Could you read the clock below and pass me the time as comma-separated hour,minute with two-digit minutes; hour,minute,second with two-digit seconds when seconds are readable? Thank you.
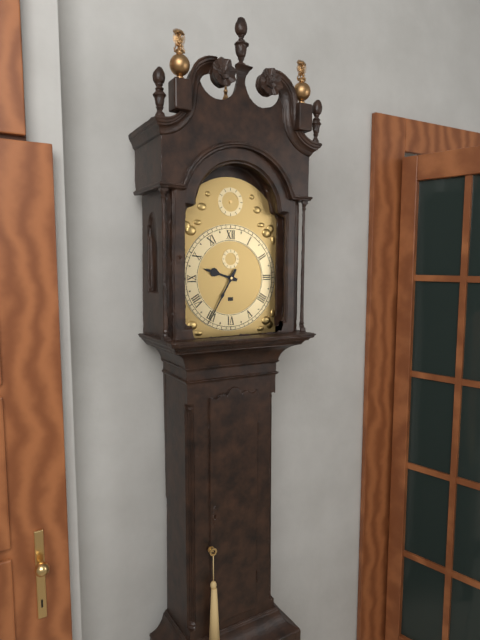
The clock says 9,35
